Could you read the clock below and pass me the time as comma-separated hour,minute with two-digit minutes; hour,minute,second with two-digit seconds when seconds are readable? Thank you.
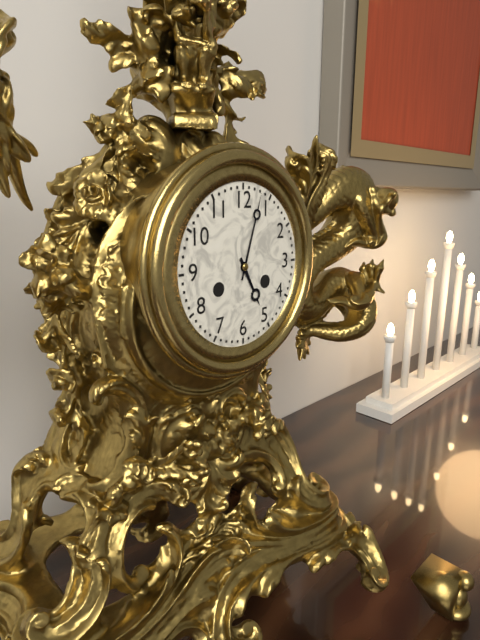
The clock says 5,03
